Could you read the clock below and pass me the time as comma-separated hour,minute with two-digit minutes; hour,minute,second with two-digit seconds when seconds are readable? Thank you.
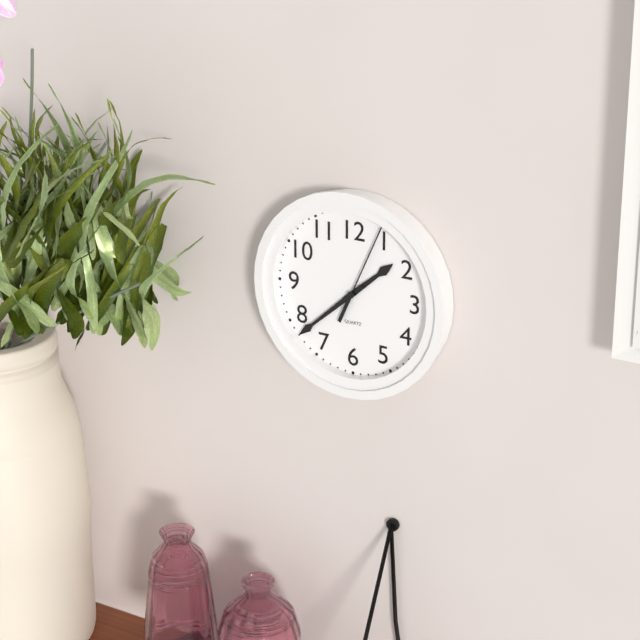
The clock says 1,38,04
